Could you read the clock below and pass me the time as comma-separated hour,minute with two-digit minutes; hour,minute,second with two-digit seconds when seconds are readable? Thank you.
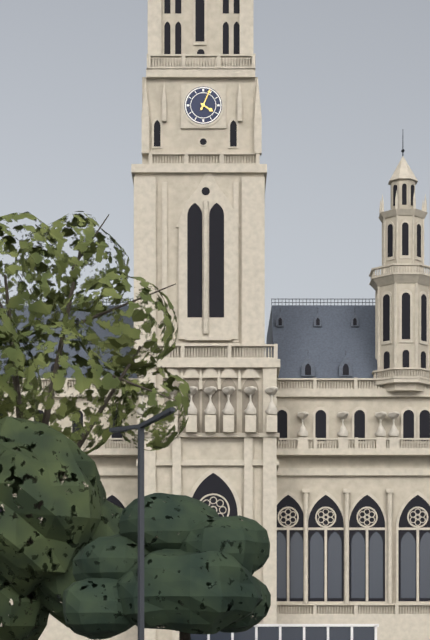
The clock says 4,04
